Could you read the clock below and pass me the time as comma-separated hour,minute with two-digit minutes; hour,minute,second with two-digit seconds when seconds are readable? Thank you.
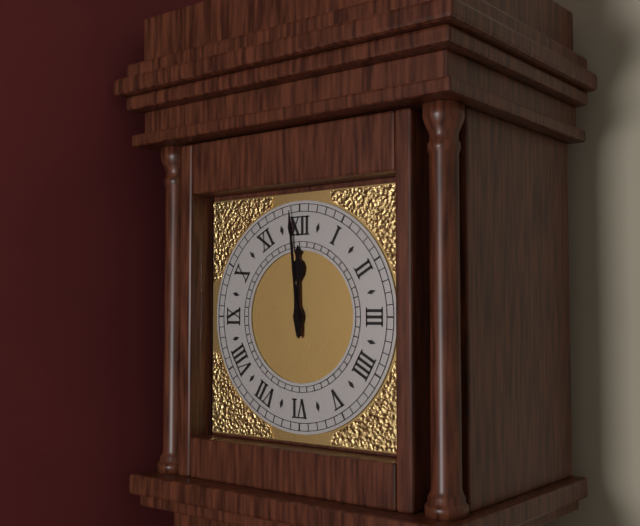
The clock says 11,59
